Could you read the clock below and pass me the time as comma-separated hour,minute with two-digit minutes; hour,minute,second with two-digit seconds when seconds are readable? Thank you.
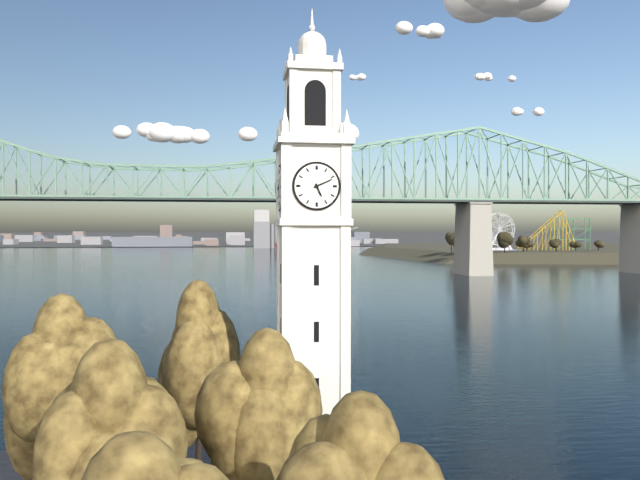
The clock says 5,11
